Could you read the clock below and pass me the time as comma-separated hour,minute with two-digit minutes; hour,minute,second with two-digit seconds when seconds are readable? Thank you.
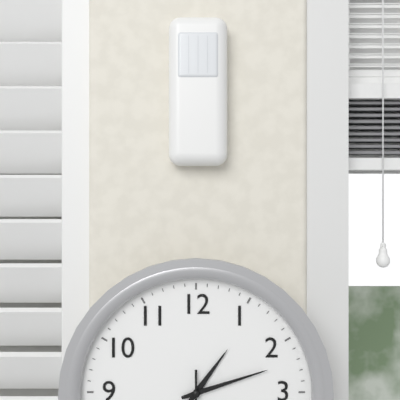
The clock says 1,12
